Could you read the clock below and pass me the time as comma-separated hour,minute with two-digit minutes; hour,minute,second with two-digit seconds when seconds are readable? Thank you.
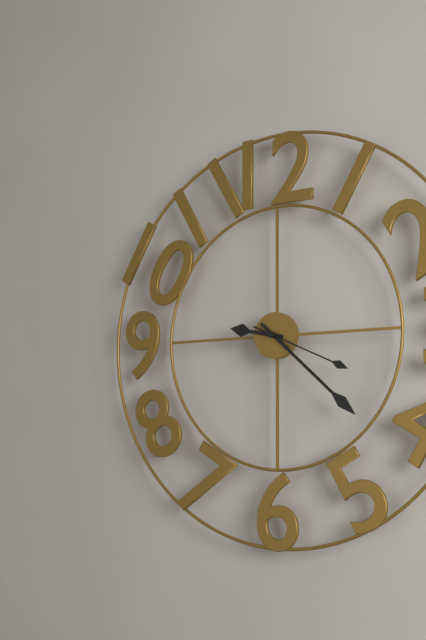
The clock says 9,22,19
